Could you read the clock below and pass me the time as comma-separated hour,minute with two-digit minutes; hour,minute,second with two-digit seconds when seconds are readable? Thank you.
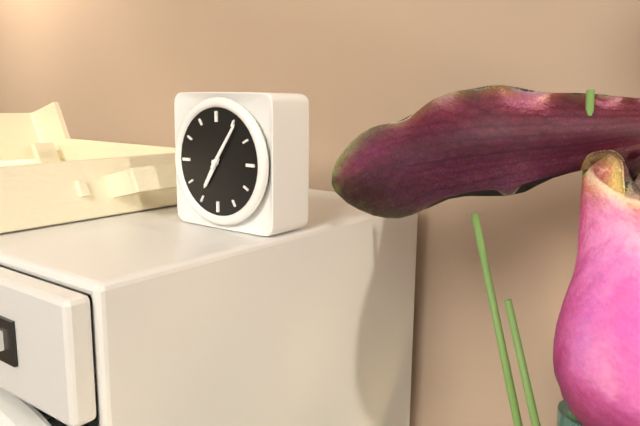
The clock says 7,06
